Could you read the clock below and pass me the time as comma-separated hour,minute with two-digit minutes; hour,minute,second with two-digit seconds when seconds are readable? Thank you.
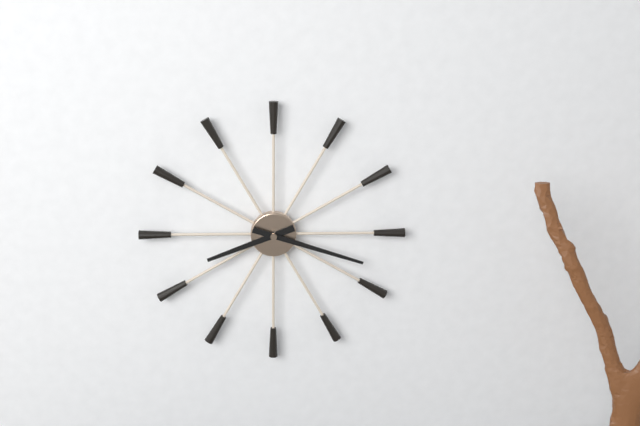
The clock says 8,18
